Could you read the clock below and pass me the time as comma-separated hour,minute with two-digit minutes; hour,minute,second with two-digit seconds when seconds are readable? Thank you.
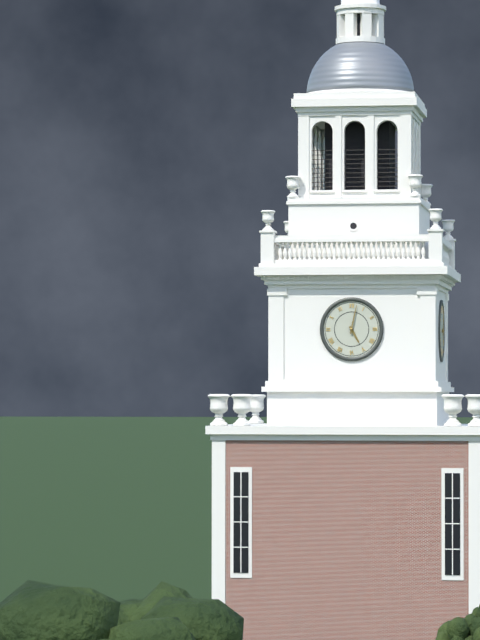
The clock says 5,02
